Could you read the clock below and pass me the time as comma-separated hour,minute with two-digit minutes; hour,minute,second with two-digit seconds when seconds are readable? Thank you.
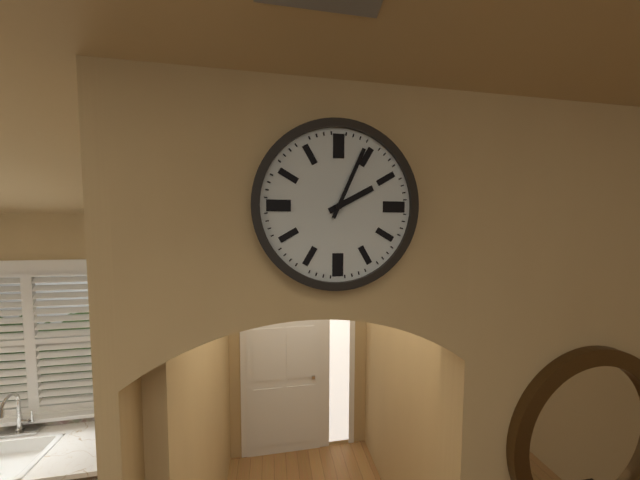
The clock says 2,04
